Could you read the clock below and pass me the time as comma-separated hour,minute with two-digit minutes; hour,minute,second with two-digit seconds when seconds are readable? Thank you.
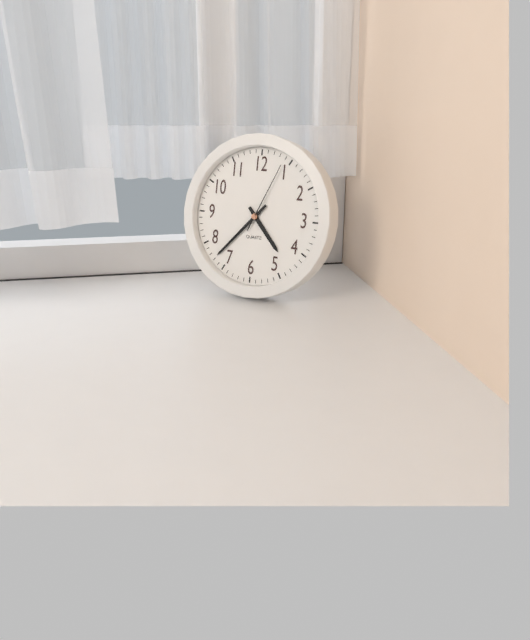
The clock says 4,37,04
